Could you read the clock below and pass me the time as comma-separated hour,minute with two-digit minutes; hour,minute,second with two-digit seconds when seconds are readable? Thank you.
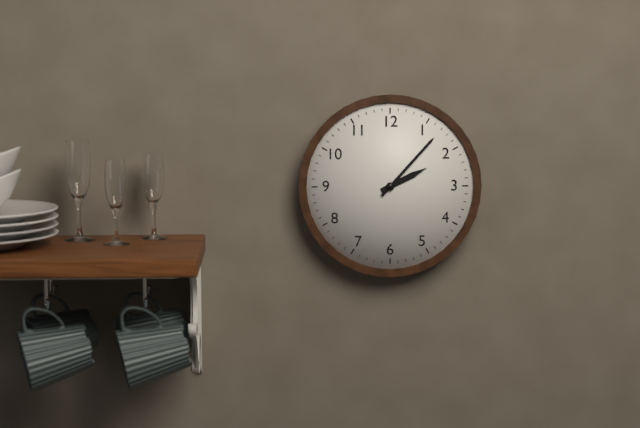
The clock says 2,07
